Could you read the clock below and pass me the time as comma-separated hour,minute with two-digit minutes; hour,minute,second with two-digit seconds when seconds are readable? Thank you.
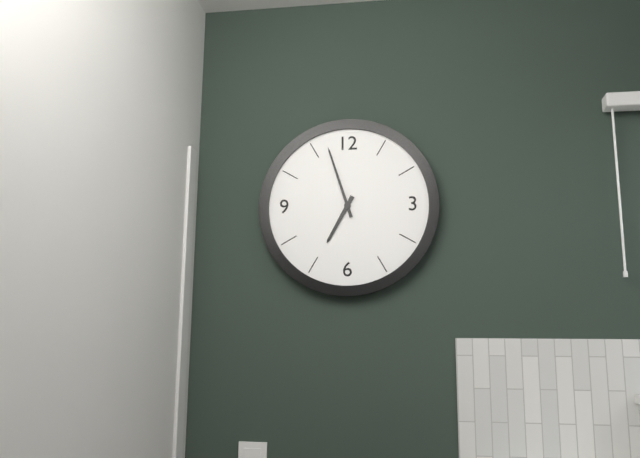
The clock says 6,57
